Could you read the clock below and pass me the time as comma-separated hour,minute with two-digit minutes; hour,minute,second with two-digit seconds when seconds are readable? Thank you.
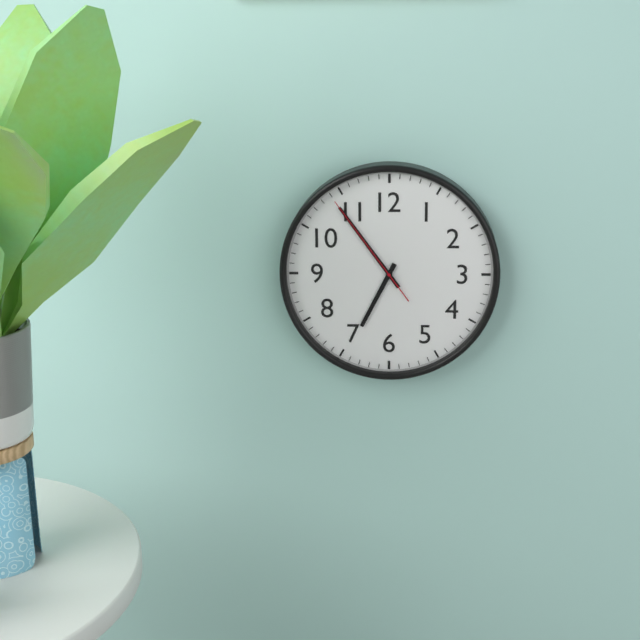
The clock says 6,54,54
